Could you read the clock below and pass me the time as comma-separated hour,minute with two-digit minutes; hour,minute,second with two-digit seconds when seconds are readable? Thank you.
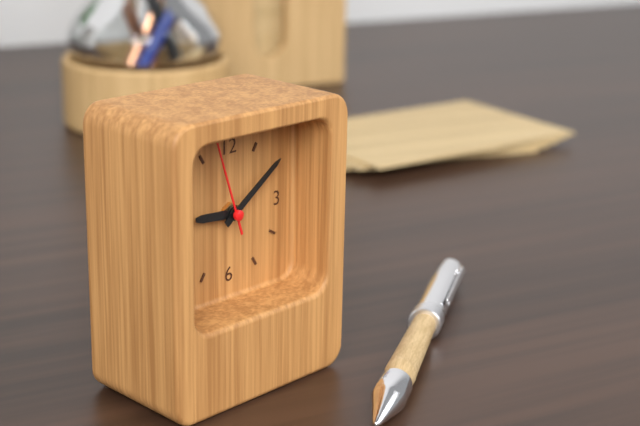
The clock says 9,09,57
